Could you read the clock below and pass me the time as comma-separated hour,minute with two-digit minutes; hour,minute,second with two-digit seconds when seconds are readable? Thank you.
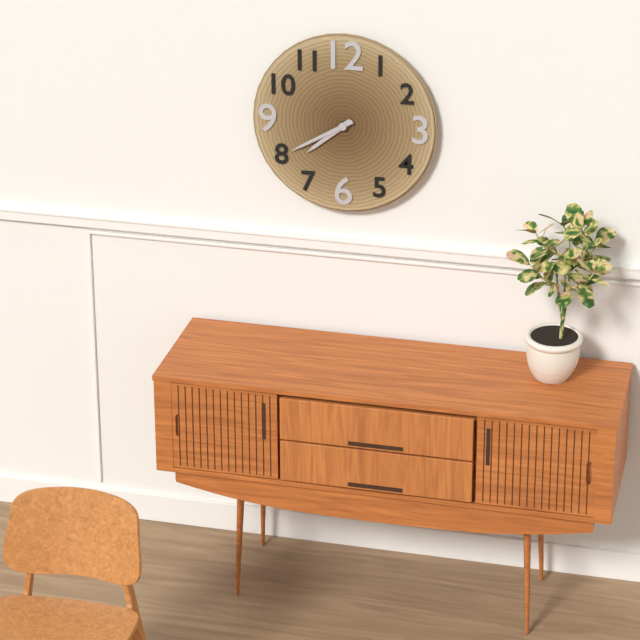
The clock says 7,40
